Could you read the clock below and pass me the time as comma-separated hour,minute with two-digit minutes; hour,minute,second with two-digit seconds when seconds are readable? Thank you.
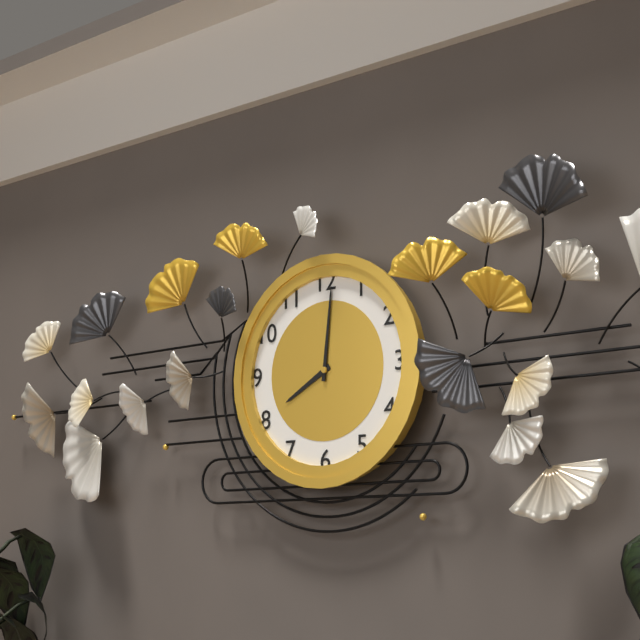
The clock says 8,01
